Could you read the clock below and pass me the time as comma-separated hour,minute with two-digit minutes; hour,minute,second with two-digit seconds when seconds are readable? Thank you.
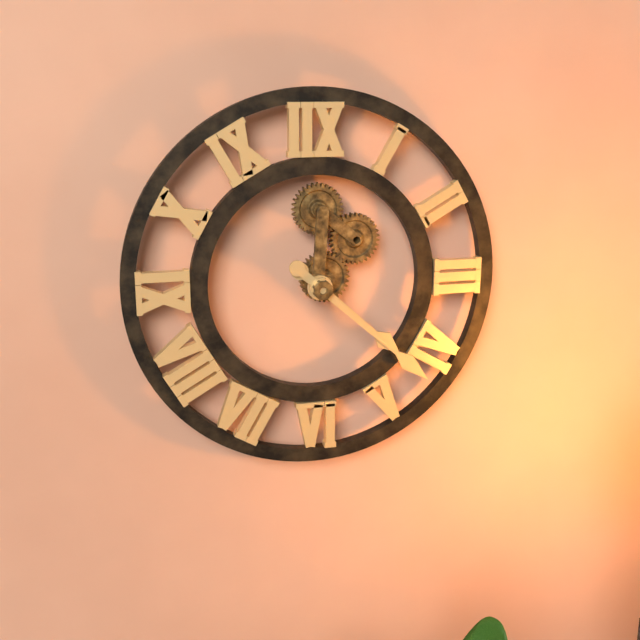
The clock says 4,22
